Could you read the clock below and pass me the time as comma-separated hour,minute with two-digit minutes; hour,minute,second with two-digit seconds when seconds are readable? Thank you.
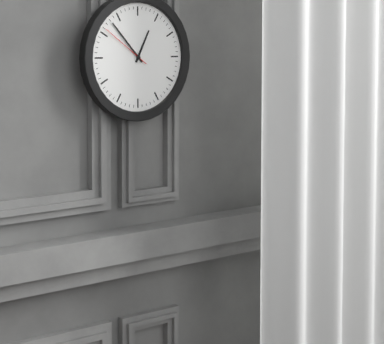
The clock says 12,53,51
